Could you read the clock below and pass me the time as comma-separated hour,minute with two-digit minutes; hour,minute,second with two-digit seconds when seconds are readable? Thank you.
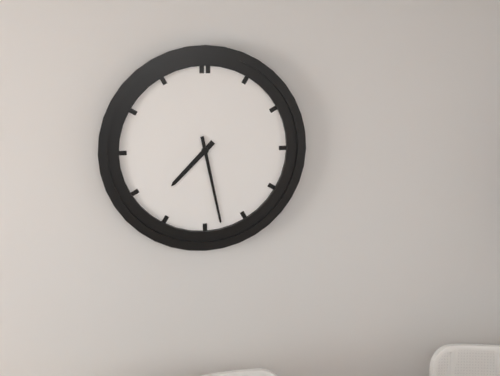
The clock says 7,28
